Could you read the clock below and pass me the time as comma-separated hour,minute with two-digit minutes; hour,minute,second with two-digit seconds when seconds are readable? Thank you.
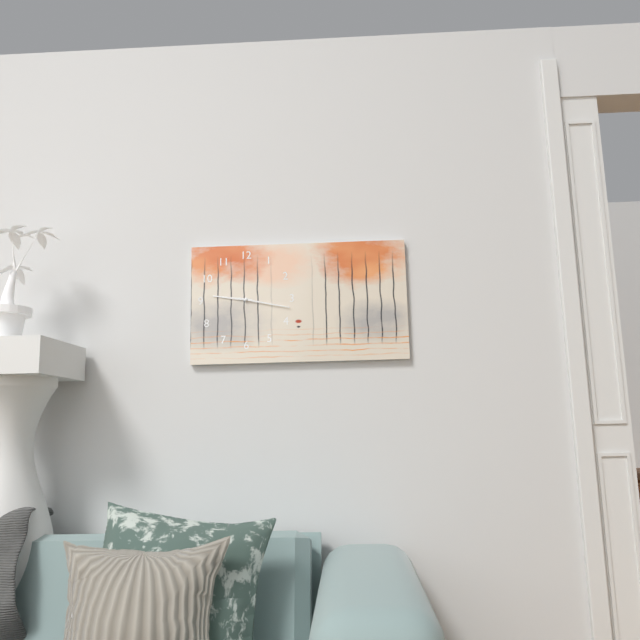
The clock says 9,17
